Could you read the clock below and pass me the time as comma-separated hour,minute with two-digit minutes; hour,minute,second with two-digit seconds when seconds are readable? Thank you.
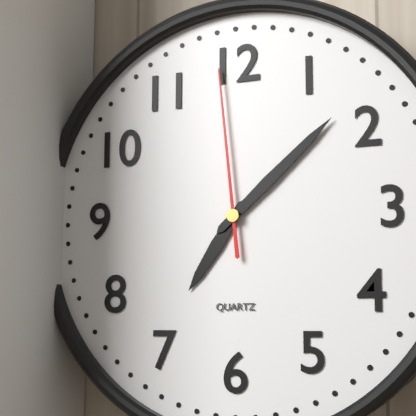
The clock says 7,08,59
